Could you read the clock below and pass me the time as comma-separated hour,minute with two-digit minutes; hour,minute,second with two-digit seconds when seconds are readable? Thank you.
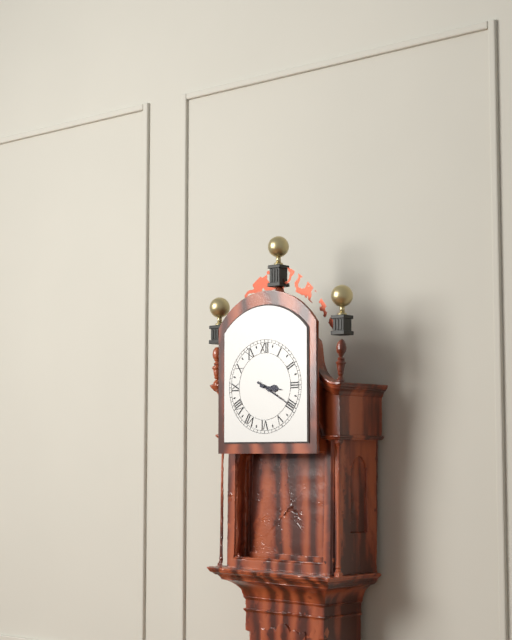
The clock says 3,20
